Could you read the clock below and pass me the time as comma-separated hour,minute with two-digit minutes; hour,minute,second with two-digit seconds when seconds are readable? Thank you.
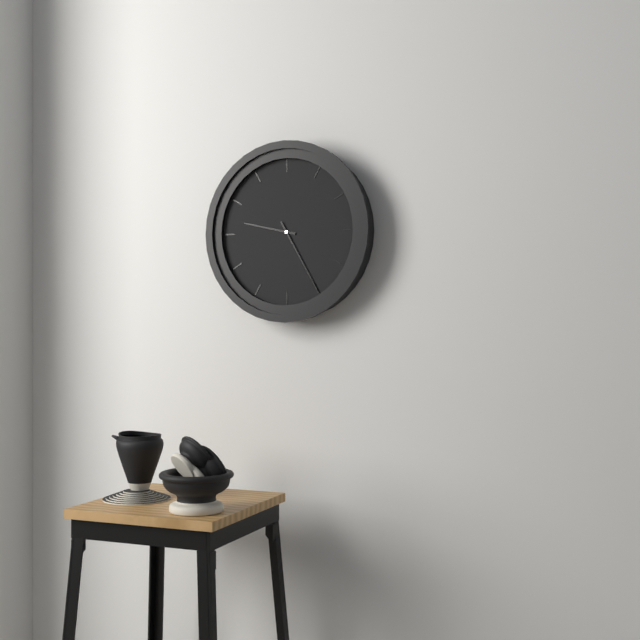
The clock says 9,25
